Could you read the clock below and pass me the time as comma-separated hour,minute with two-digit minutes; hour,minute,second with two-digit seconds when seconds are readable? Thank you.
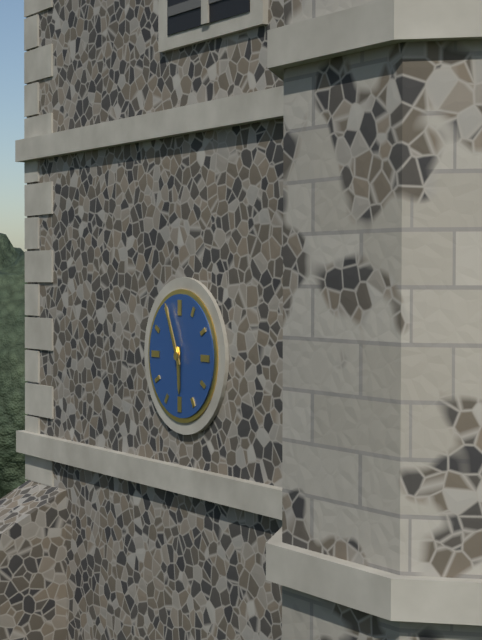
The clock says 5,56
